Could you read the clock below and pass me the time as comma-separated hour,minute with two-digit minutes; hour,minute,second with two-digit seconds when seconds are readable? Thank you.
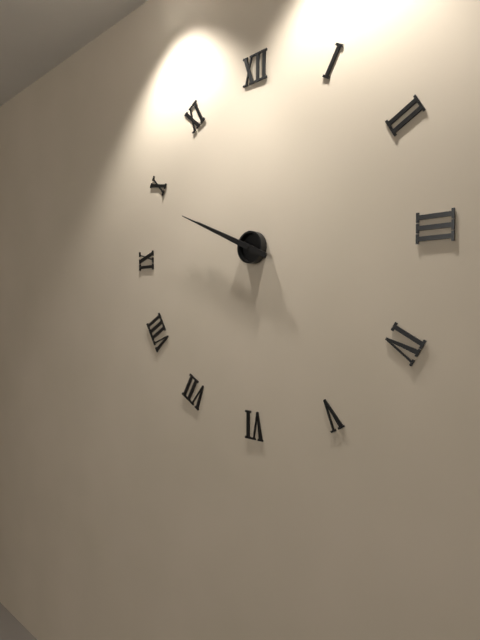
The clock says 9,49
